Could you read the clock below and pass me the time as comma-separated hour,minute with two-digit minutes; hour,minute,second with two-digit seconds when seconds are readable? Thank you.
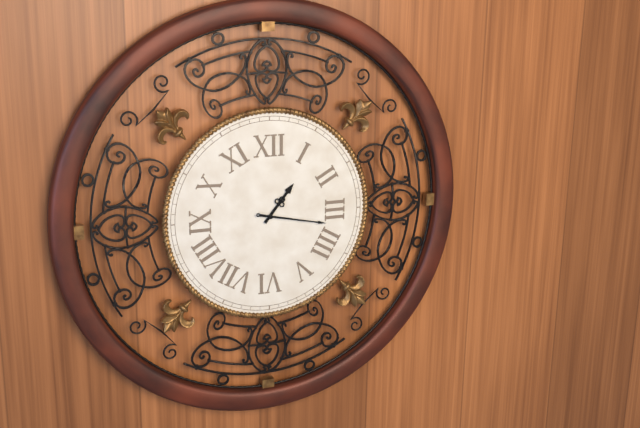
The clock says 1,17
